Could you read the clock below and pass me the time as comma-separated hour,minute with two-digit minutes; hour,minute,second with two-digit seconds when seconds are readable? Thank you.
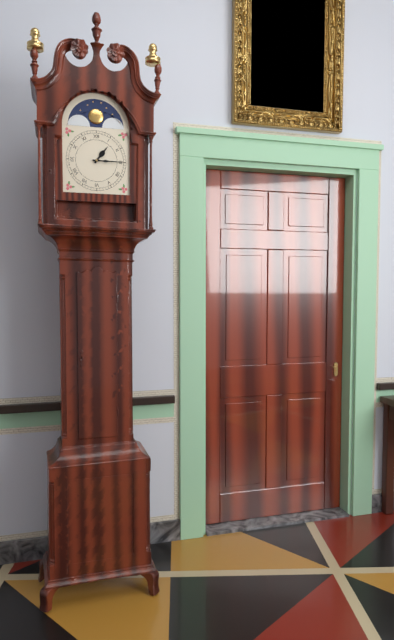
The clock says 1,15
